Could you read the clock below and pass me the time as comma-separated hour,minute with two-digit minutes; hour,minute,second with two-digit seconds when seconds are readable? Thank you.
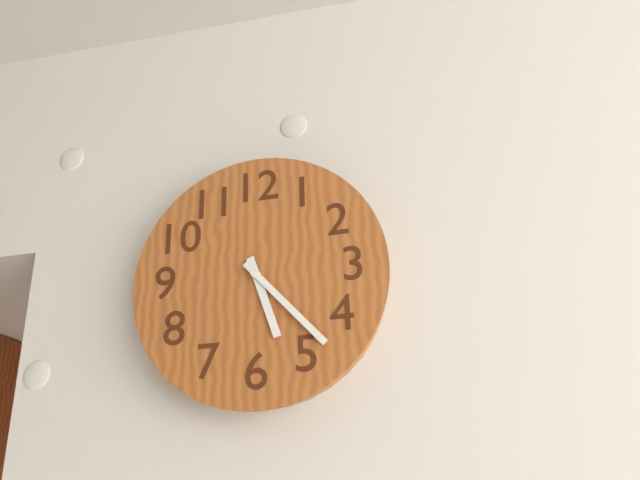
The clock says 5,23
